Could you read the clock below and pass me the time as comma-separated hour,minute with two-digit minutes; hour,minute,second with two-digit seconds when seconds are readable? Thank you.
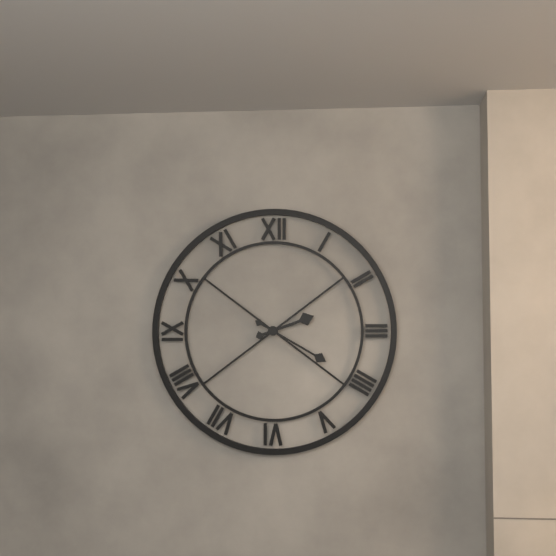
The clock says 2,20
